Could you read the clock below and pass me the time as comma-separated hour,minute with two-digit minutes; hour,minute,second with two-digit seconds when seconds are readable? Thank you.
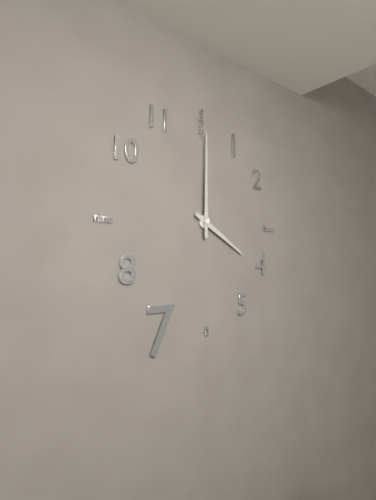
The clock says 4,00
